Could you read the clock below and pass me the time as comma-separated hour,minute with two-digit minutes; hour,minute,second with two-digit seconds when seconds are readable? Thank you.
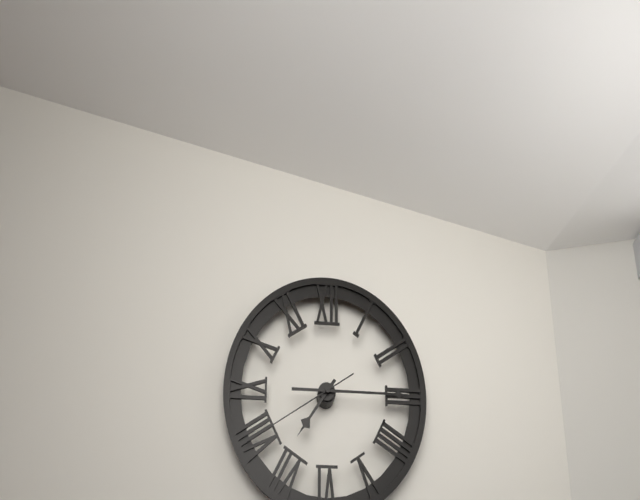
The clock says 7,15,40
